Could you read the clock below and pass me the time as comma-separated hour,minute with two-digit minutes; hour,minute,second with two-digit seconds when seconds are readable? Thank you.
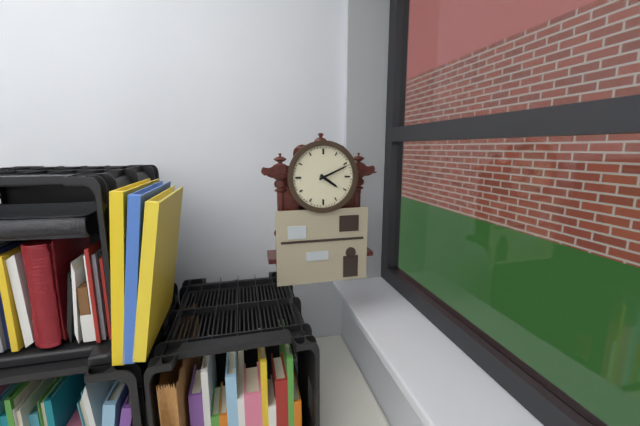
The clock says 4,11
